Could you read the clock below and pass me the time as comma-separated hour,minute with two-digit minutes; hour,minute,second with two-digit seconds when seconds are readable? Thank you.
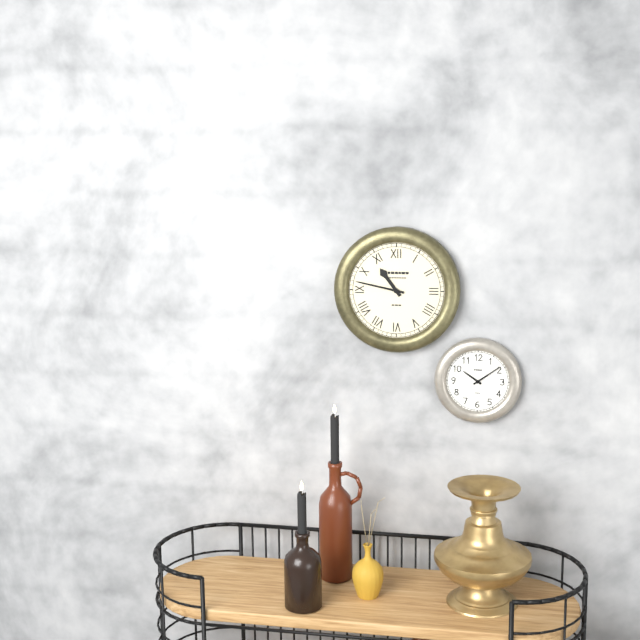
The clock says 10,47
